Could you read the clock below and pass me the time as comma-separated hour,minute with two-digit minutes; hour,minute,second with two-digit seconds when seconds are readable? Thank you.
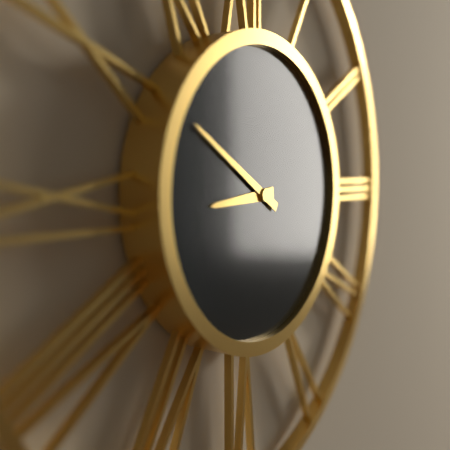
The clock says 8,50
